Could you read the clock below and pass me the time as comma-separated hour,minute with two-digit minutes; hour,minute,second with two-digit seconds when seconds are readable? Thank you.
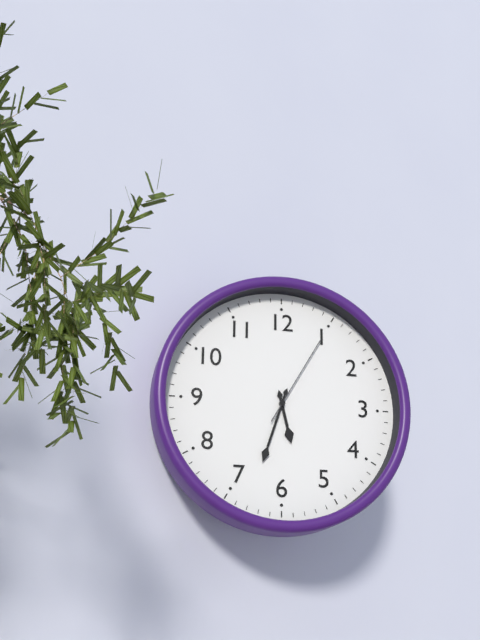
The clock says 5,33,05
